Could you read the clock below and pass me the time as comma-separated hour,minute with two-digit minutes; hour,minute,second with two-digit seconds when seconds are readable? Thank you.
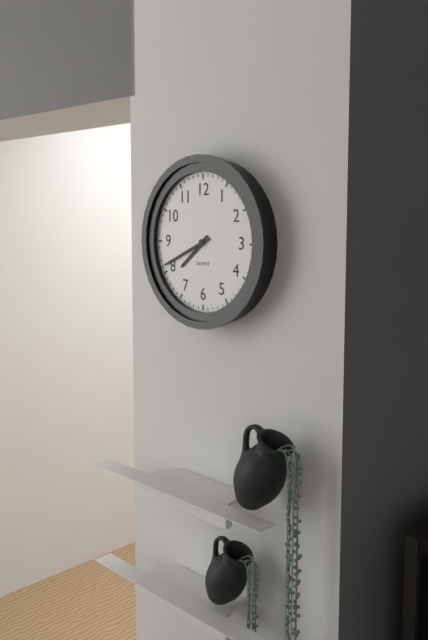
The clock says 7,41
